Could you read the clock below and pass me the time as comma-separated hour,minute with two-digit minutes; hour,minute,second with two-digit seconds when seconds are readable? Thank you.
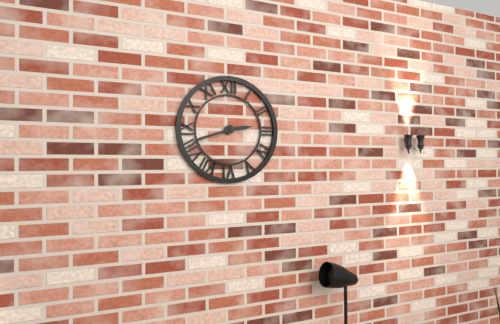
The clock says 2,42
